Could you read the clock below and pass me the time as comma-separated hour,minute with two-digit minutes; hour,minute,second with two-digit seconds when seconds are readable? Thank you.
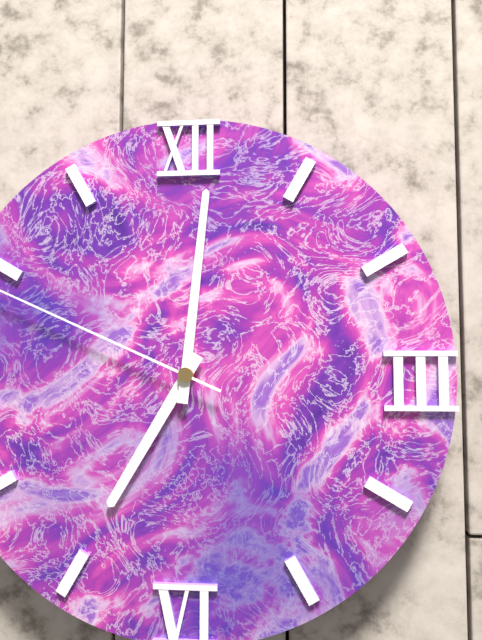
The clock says 7,01
